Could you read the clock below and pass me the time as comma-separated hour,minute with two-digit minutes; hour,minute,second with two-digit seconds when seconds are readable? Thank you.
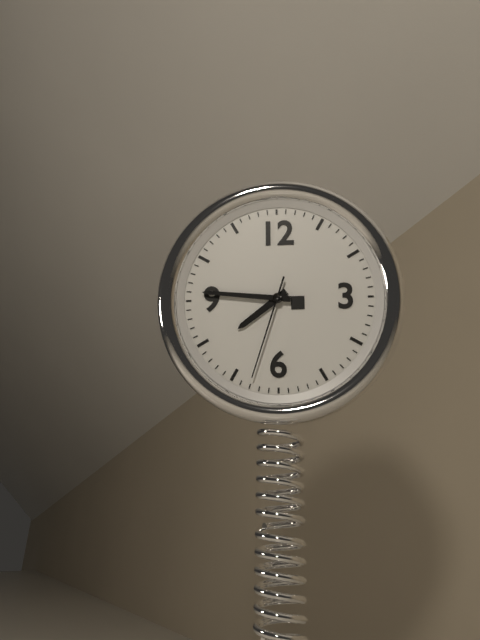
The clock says 7,46,33
